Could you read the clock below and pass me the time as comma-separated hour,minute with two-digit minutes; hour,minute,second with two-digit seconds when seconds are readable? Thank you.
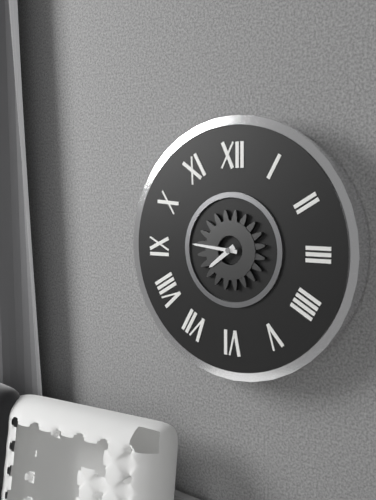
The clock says 7,46
